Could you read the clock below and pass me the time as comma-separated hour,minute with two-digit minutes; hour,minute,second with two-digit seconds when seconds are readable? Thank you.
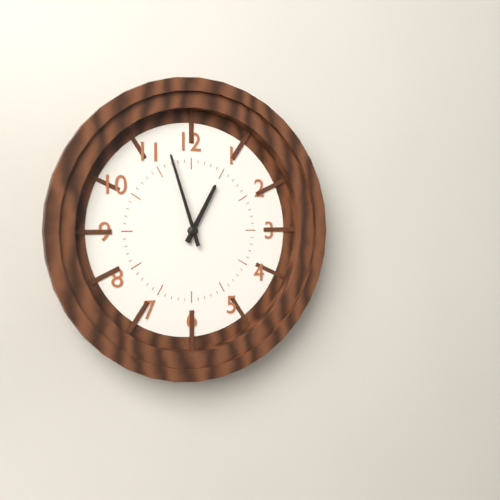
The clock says 12,57
